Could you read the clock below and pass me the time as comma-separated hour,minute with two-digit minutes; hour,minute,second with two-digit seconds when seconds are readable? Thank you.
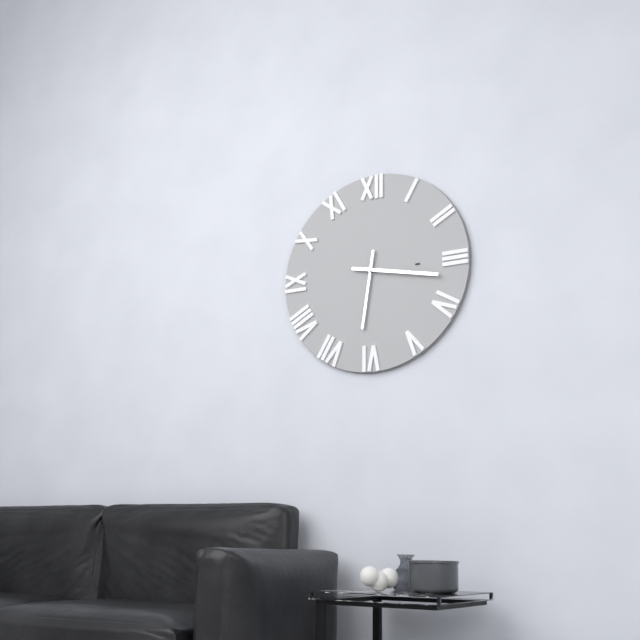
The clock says 6,17
